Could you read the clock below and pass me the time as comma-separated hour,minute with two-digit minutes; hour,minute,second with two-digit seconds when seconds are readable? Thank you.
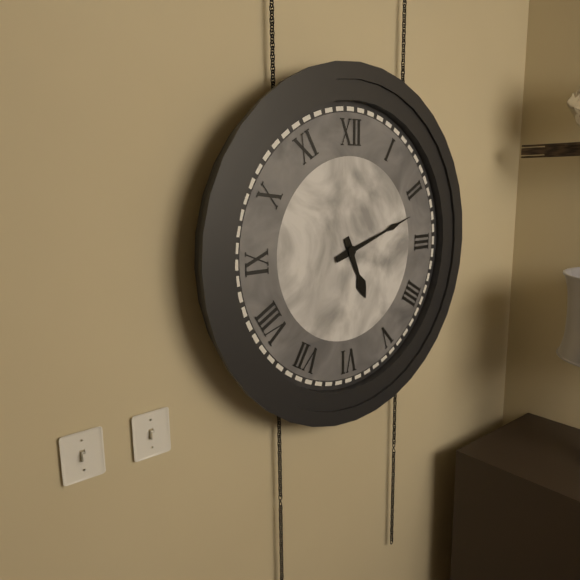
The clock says 5,12
